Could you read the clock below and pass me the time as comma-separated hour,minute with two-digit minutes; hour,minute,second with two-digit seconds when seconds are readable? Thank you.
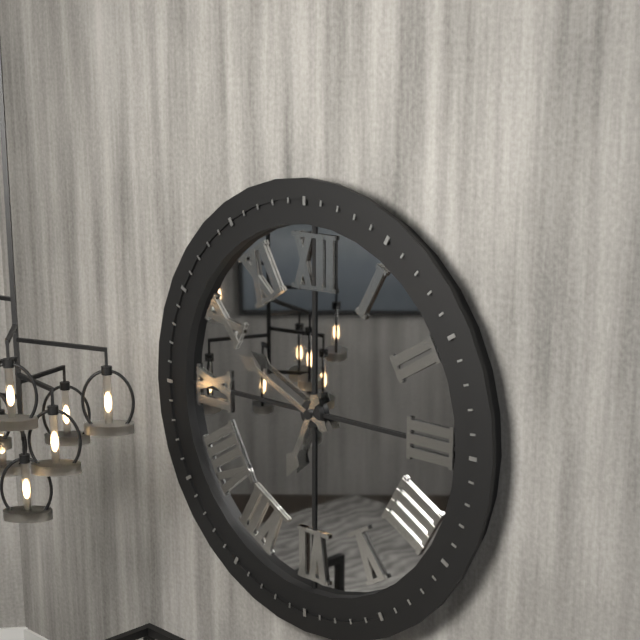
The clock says 6,49
